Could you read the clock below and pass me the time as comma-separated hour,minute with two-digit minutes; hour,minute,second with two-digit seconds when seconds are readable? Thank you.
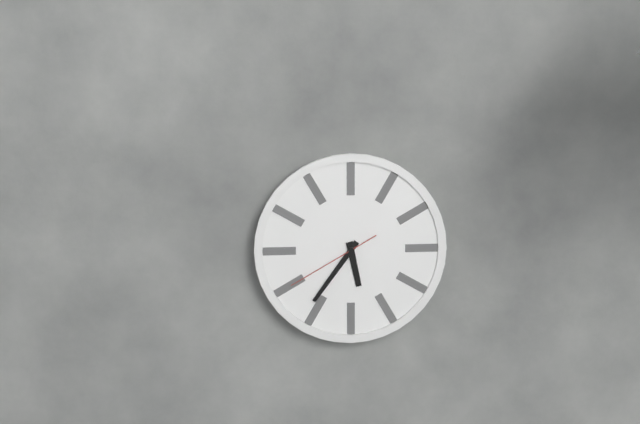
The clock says 5,36,40
